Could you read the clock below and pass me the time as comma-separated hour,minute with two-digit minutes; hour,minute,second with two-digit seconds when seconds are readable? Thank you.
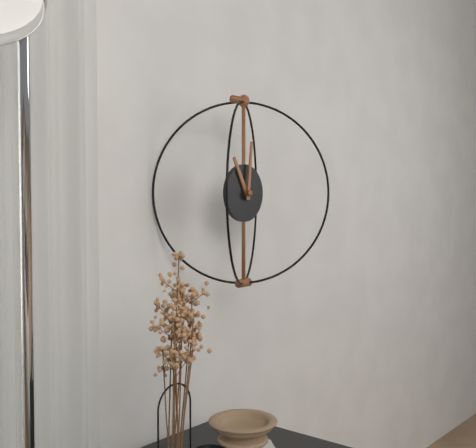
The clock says 11,01
